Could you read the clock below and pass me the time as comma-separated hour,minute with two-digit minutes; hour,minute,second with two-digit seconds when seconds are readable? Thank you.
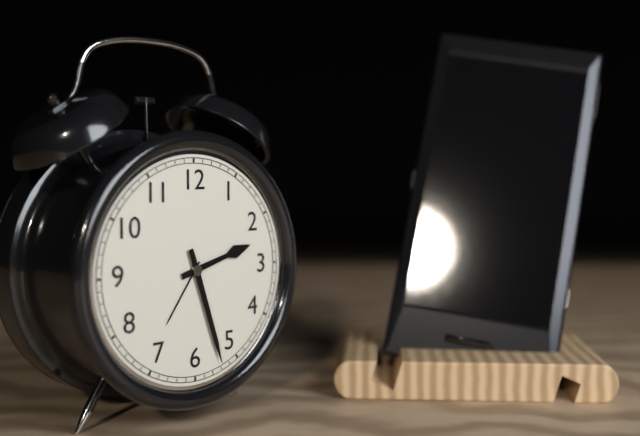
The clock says 2,27
